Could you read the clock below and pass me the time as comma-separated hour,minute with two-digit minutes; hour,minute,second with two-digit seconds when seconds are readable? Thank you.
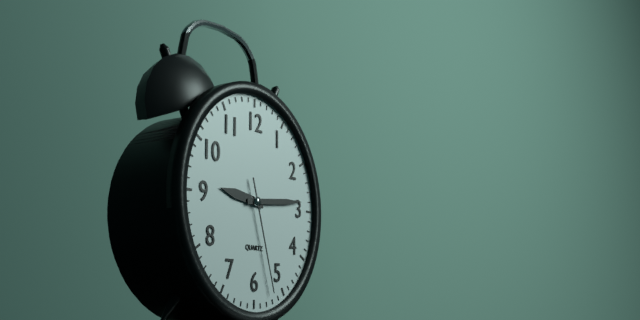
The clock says 9,14,27
